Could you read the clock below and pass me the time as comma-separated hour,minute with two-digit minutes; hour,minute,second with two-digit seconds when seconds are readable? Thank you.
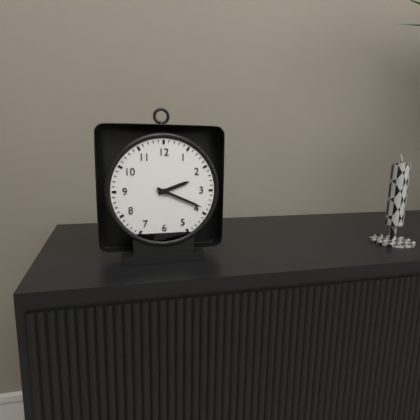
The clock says 2,19
